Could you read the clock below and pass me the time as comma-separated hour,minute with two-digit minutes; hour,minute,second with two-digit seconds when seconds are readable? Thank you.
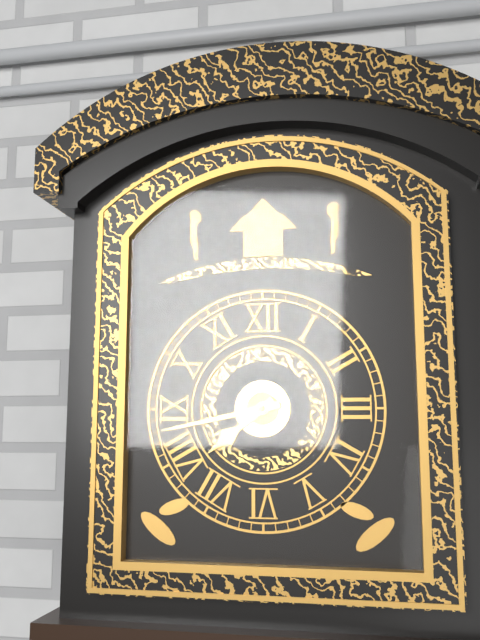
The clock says 7,43
